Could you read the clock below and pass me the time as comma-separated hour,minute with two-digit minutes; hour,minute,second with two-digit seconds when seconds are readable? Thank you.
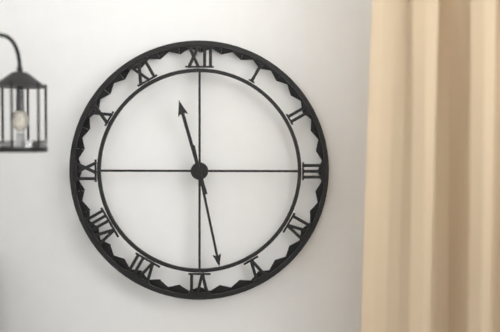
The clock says 11,28
